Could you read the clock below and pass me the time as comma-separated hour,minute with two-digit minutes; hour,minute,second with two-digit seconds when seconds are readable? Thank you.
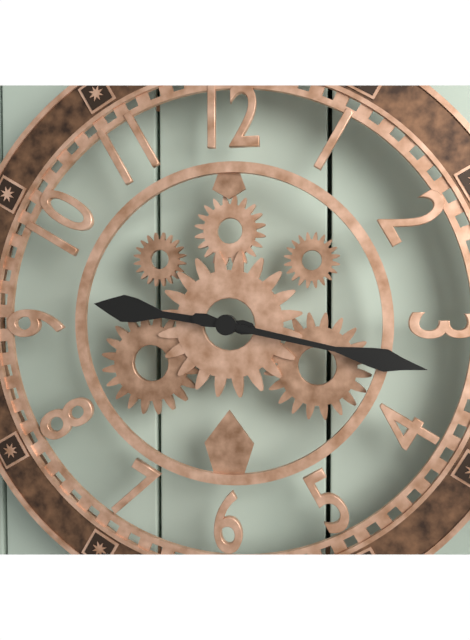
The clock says 9,17
